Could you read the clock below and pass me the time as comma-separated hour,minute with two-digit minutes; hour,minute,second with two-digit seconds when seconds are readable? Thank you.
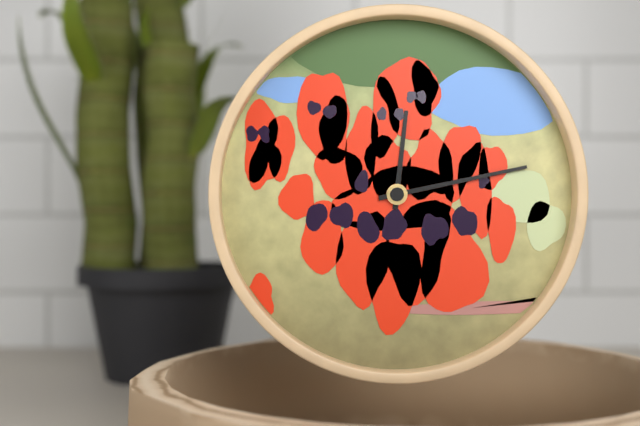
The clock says 12,13
